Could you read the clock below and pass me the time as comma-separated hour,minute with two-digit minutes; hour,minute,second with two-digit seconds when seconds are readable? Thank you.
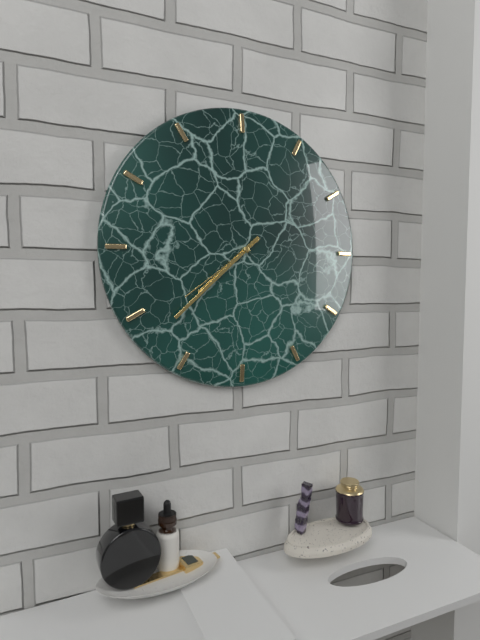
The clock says 7,38,39
